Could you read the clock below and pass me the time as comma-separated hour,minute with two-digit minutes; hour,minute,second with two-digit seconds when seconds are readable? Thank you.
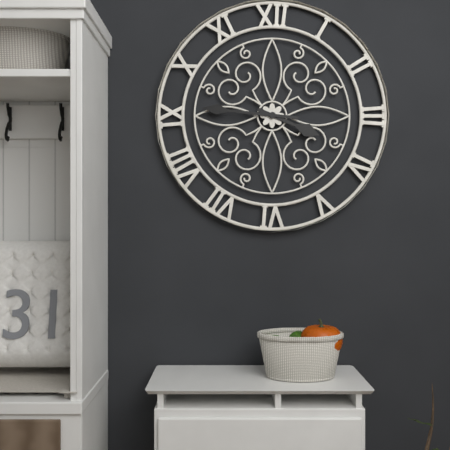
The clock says 3,46
